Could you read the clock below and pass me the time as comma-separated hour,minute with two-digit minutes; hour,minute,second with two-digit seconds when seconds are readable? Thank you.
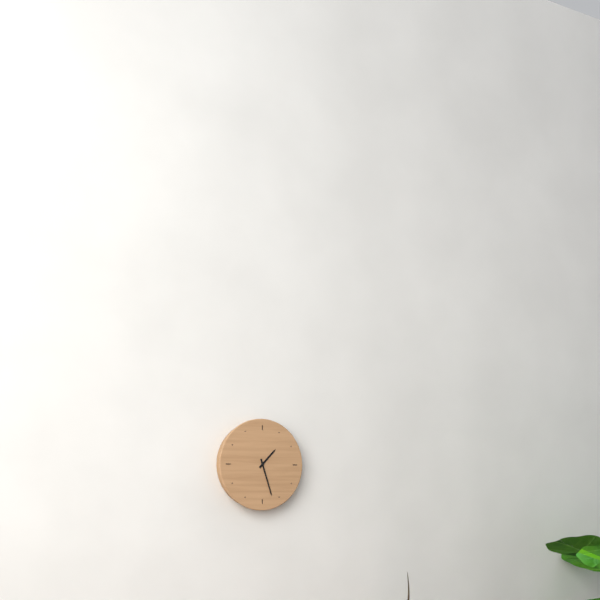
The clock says 1,27
